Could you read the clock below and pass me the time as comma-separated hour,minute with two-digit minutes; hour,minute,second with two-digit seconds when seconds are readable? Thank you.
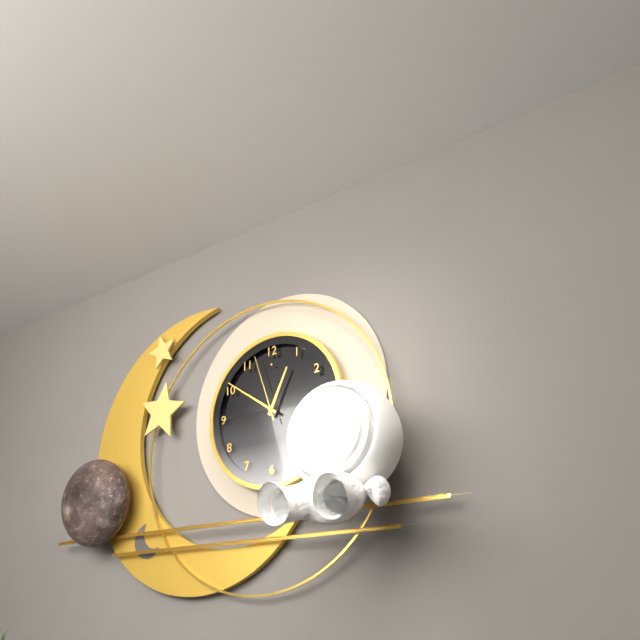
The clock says 12,51,57
